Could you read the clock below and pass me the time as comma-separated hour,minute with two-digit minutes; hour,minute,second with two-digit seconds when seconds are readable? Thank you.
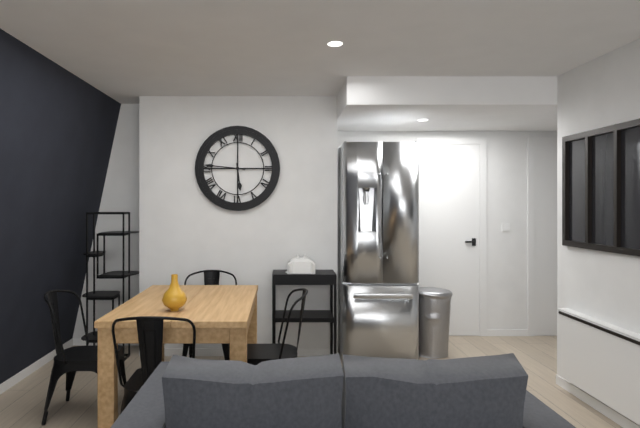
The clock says 5,46
